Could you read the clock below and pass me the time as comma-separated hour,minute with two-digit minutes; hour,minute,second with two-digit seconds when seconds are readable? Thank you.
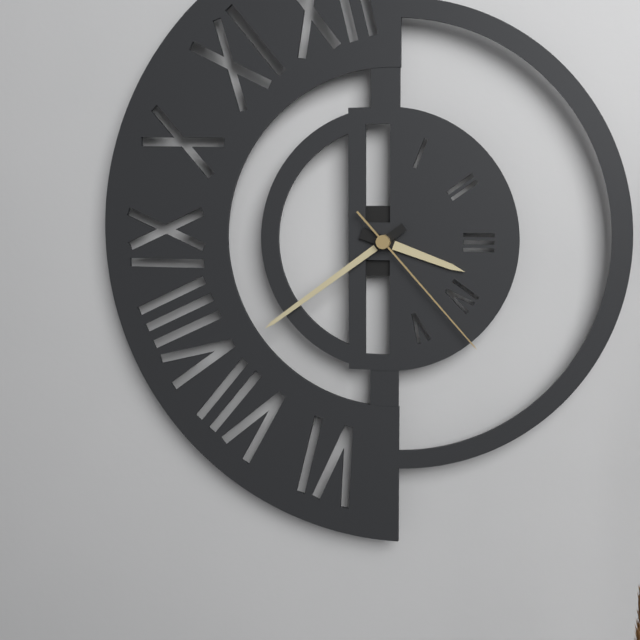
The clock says 3,39,23
